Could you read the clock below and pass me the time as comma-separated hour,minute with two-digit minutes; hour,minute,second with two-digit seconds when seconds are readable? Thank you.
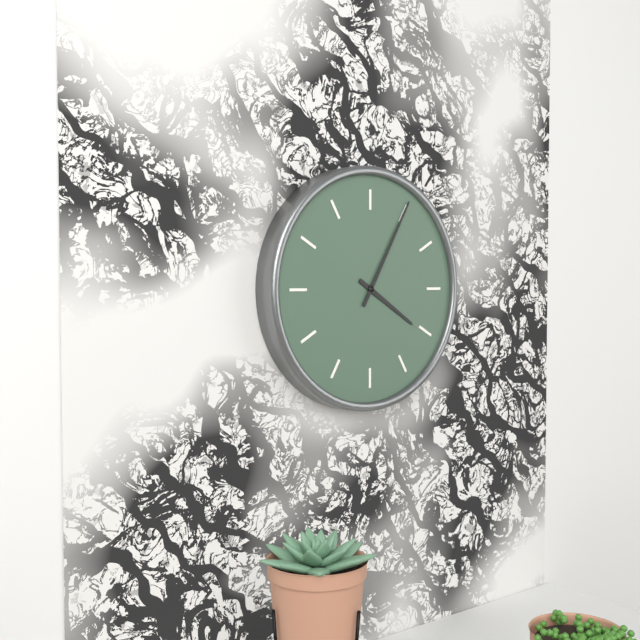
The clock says 4,05
